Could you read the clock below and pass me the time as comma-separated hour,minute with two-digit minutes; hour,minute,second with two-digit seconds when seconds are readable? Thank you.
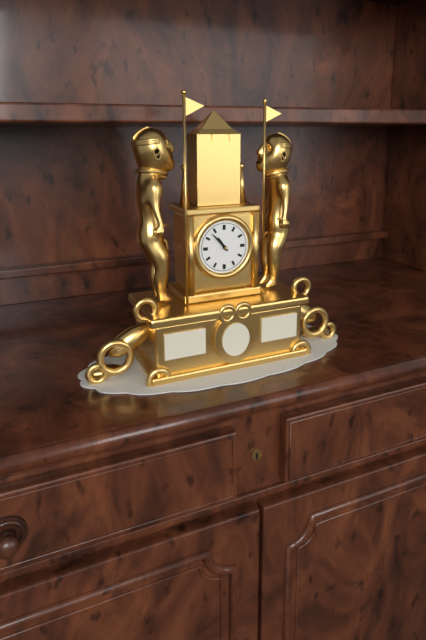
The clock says 10,53
